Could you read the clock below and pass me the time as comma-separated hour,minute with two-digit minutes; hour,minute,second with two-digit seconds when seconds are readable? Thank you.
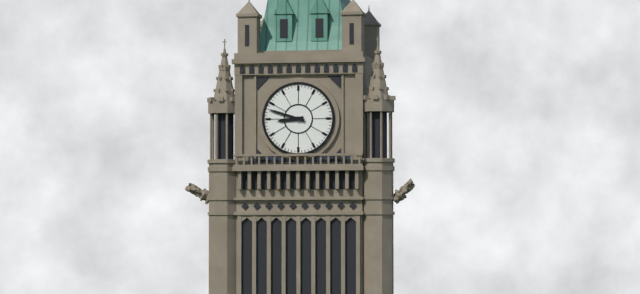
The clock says 8,48
